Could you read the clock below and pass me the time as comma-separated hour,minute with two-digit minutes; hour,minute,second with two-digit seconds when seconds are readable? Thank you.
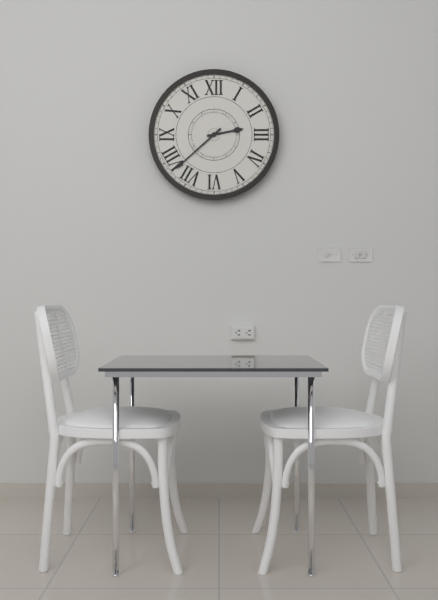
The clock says 2,38
